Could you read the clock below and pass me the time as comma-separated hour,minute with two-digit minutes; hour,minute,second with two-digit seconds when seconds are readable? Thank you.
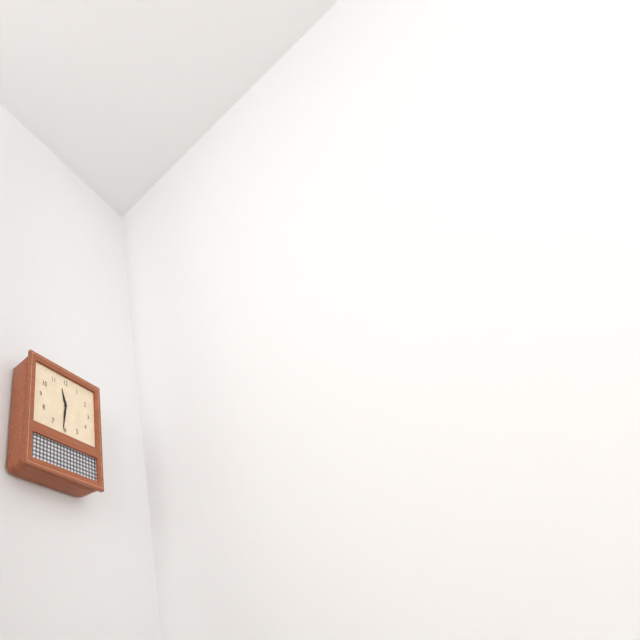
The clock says 11,31
